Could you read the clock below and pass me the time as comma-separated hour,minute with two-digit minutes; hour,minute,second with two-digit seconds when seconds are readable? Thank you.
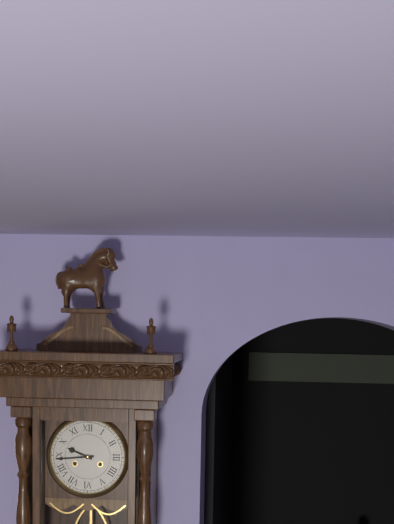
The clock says 9,44
